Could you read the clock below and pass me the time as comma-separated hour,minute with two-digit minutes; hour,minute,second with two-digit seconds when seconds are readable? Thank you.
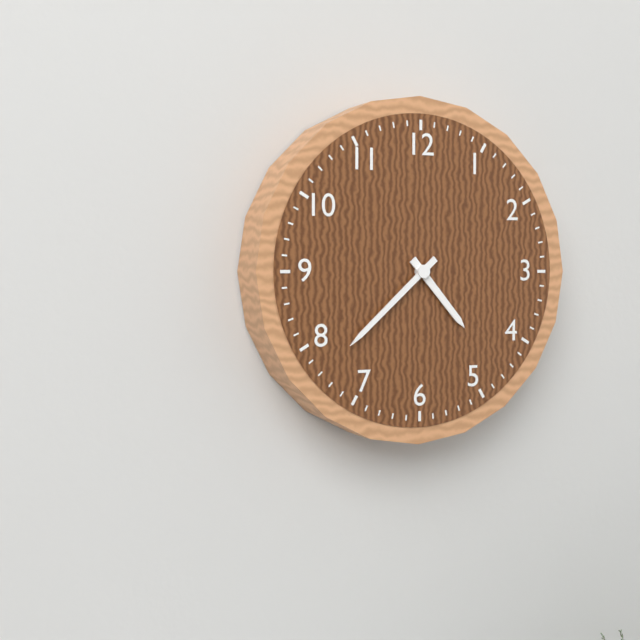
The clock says 4,38
